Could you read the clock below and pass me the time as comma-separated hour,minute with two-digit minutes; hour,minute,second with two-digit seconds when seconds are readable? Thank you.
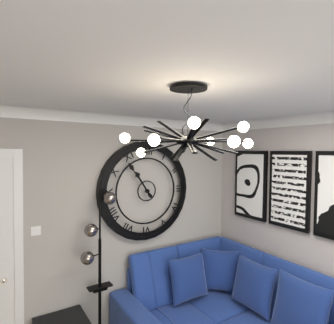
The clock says 10,54
